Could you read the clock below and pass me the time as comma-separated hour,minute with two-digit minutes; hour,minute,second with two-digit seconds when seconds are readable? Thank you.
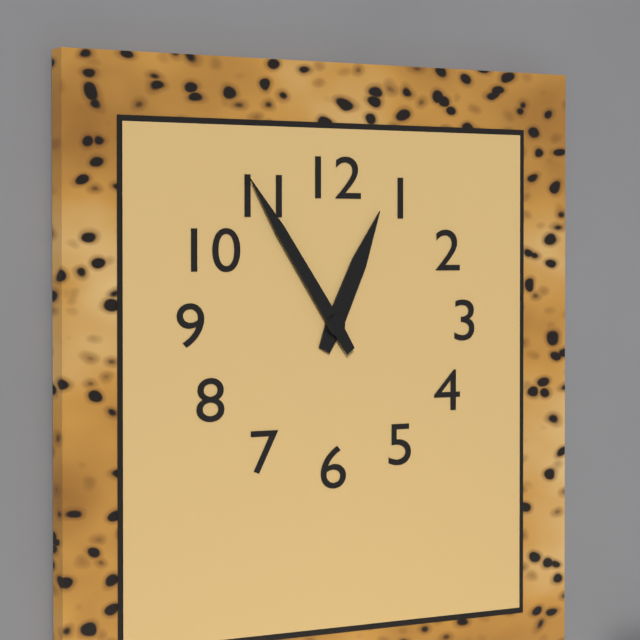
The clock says 12,54
